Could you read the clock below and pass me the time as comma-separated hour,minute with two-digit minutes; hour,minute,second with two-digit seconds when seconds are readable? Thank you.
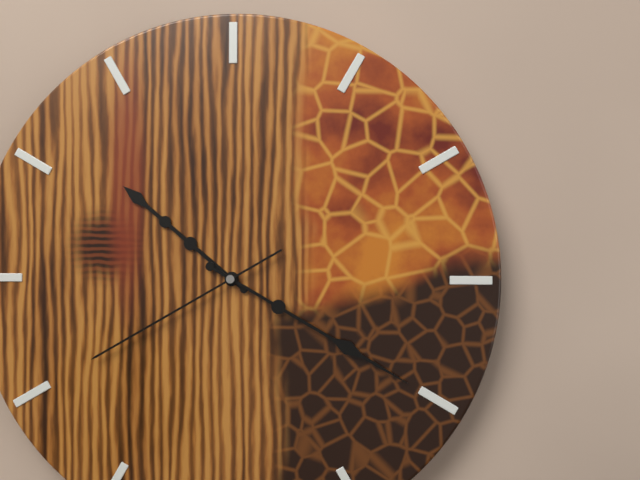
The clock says 10,20,40
